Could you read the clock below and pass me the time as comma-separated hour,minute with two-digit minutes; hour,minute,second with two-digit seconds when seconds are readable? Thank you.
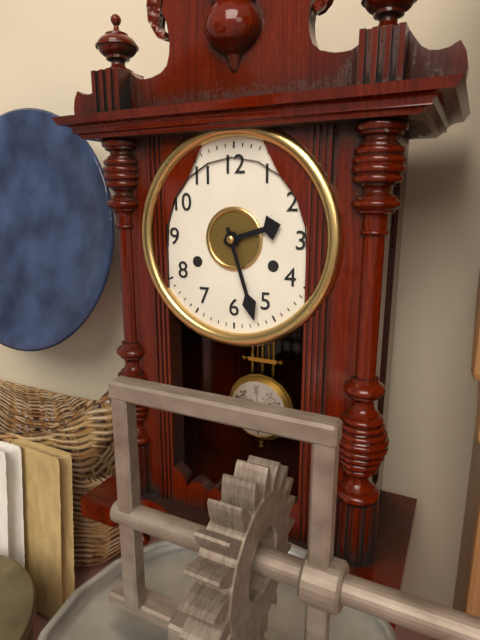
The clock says 2,27
